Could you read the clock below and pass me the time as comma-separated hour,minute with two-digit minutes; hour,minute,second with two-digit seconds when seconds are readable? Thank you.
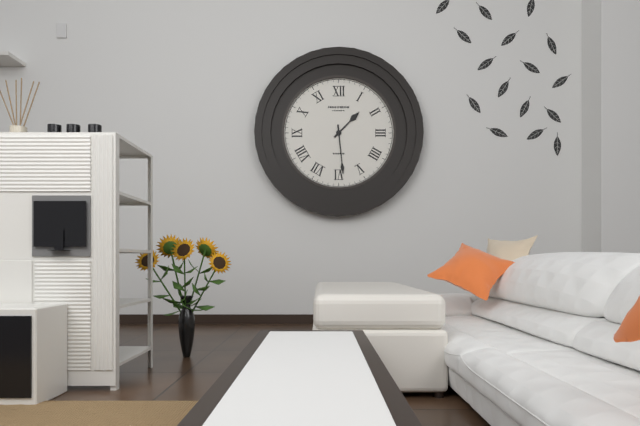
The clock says 1,29
